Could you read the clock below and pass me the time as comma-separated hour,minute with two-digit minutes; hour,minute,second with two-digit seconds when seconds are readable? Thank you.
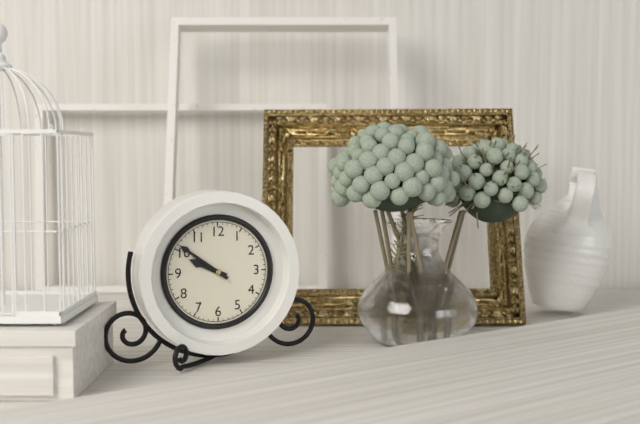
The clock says 9,51
